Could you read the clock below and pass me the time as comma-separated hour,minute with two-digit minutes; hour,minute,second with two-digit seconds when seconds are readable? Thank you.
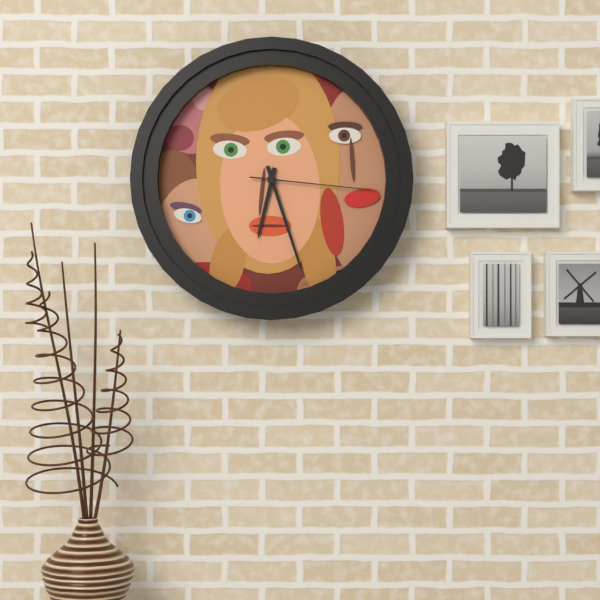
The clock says 6,27,16
